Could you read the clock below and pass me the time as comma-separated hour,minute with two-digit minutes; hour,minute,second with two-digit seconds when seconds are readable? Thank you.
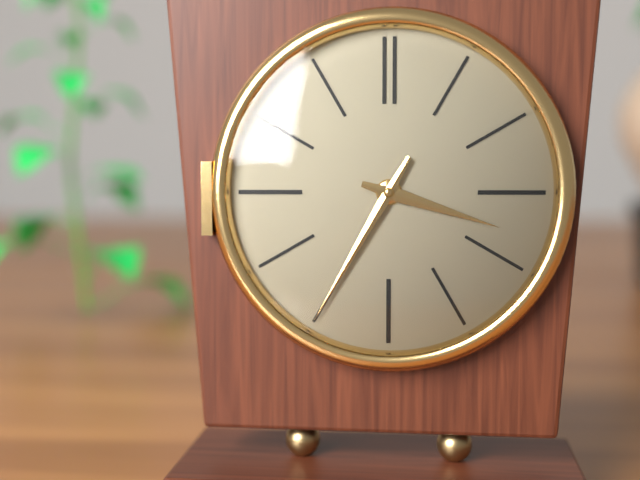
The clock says 3,35
